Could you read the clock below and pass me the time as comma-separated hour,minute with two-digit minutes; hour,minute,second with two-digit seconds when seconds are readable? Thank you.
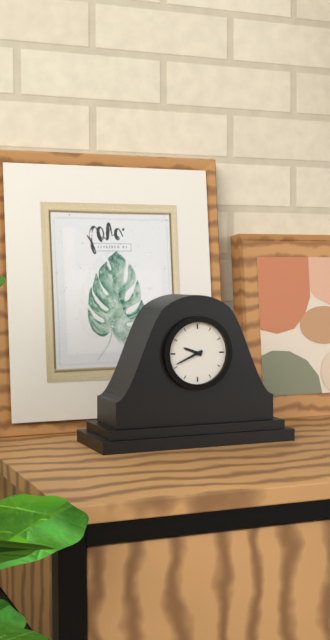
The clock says 9,41
